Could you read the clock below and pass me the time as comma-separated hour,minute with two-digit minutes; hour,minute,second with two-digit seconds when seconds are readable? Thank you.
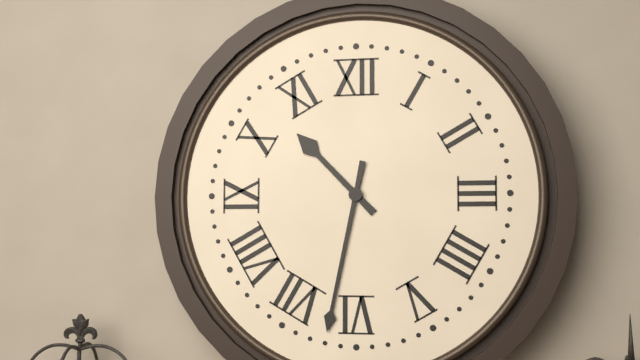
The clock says 10,32
